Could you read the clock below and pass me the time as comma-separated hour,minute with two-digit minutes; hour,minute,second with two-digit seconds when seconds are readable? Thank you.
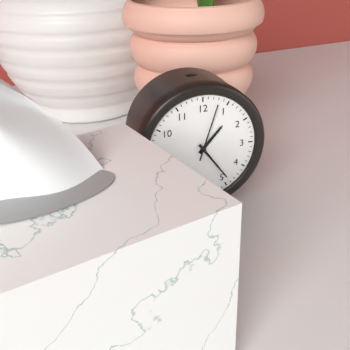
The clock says 1,24,03
